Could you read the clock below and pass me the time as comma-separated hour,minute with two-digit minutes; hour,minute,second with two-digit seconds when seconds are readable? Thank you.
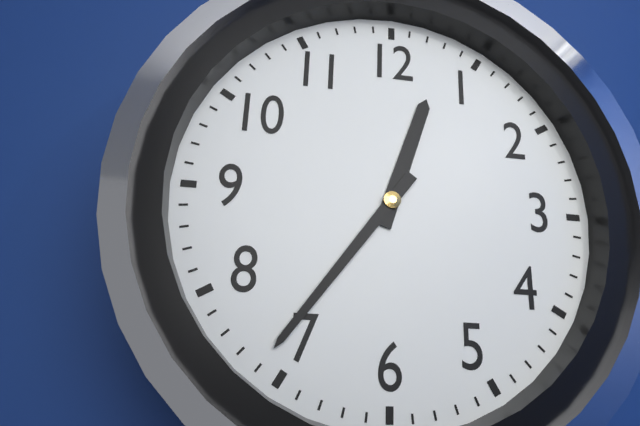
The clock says 12,36
